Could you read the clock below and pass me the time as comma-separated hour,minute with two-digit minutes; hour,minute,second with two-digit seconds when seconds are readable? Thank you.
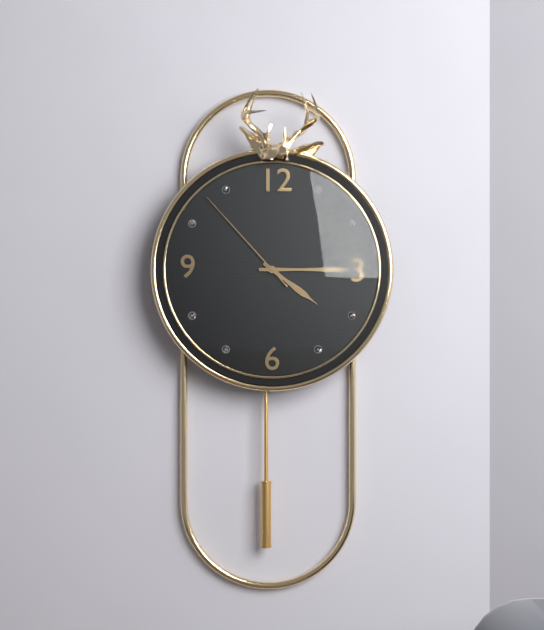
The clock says 4,15,53
